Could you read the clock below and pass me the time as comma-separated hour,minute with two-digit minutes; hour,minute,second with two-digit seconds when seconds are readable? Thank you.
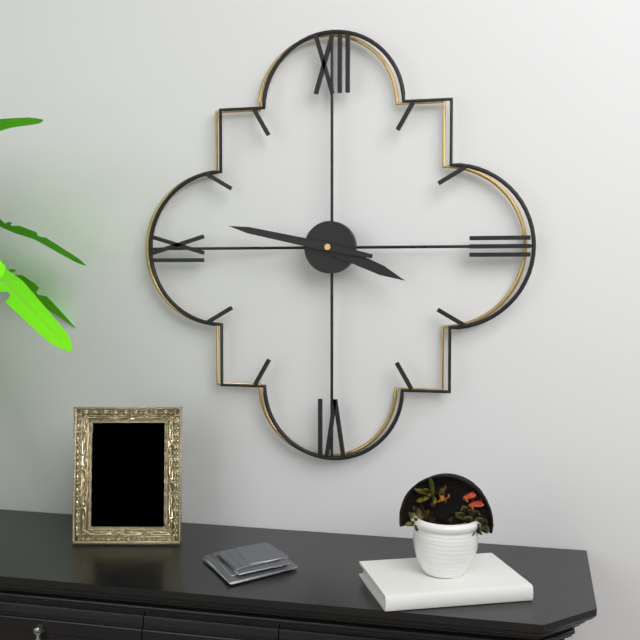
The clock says 3,47
